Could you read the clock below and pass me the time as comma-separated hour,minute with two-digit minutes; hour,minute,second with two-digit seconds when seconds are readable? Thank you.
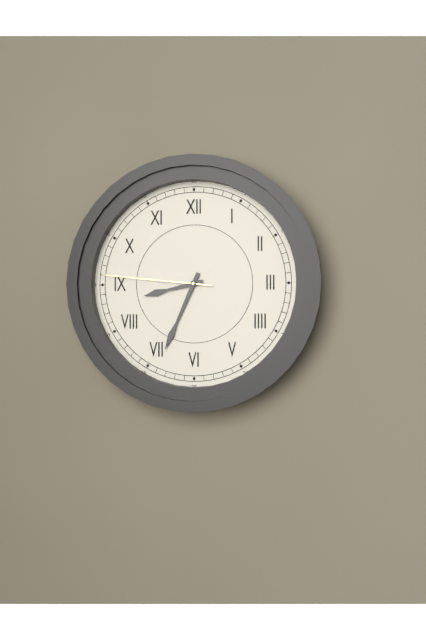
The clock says 8,34,46
